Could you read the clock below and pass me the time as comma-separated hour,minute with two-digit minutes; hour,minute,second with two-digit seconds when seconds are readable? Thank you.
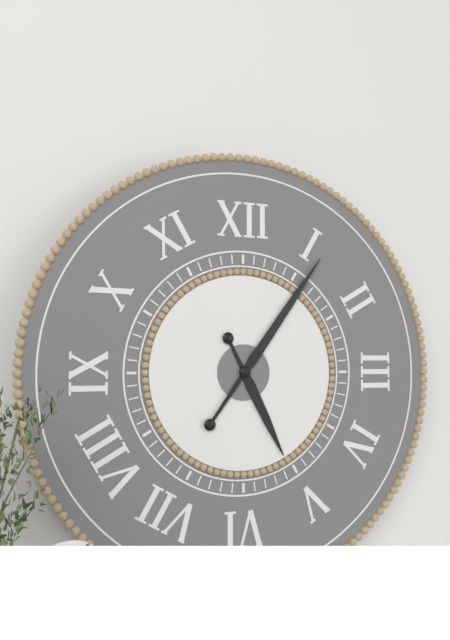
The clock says 5,06
